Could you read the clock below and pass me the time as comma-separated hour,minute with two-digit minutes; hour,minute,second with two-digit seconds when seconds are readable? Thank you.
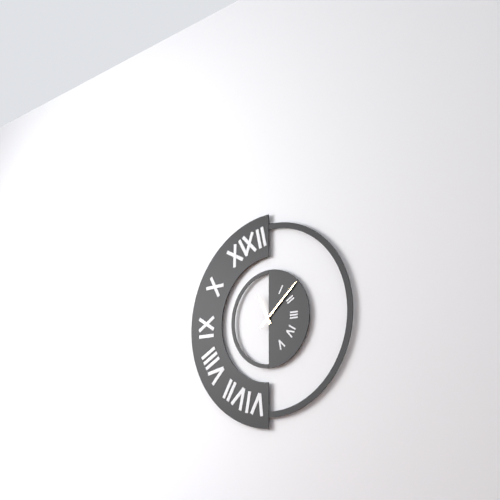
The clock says 11,08
